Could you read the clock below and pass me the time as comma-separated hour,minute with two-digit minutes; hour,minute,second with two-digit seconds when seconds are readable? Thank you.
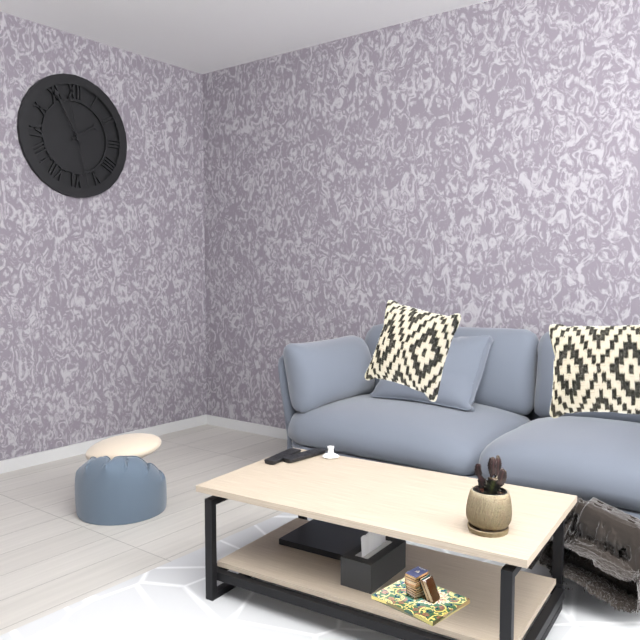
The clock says 1,55,28
